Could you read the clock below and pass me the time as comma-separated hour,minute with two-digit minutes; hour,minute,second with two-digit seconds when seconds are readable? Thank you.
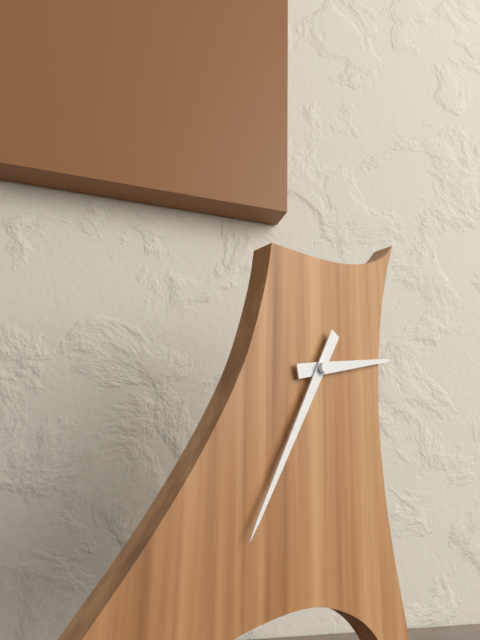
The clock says 2,35
